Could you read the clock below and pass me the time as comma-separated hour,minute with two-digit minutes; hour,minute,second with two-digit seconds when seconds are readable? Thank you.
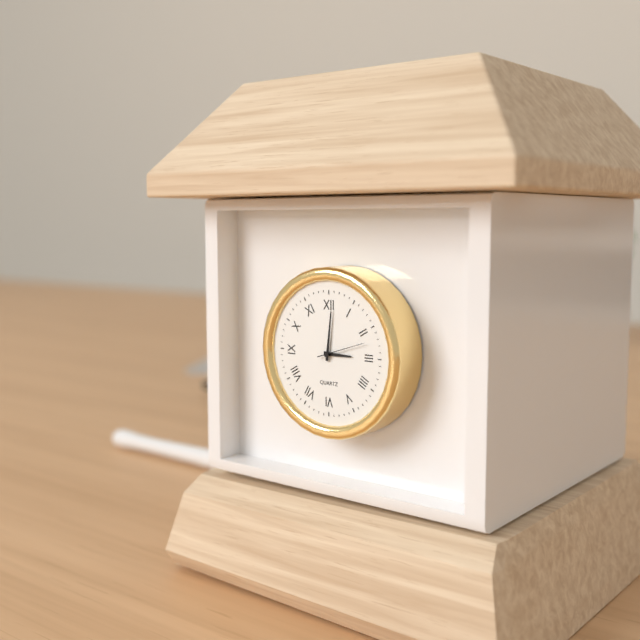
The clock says 3,01
